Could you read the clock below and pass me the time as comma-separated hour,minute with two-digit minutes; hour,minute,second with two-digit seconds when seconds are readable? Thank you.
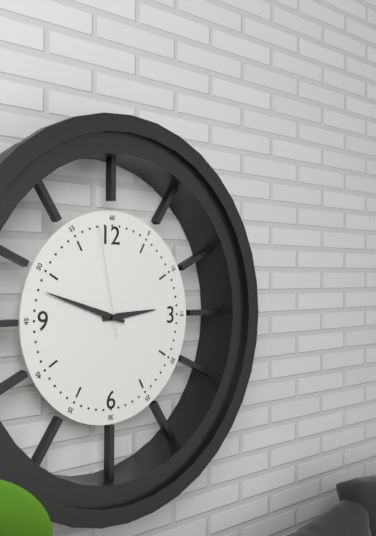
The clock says 2,48,58
